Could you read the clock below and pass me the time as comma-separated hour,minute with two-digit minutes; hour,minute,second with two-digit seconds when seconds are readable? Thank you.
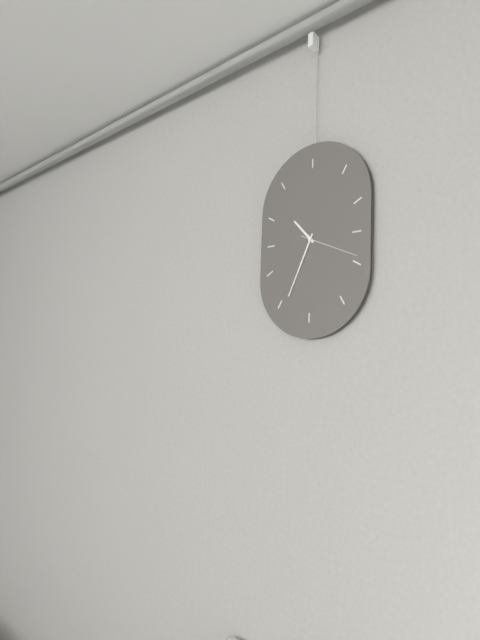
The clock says 10,34,19
